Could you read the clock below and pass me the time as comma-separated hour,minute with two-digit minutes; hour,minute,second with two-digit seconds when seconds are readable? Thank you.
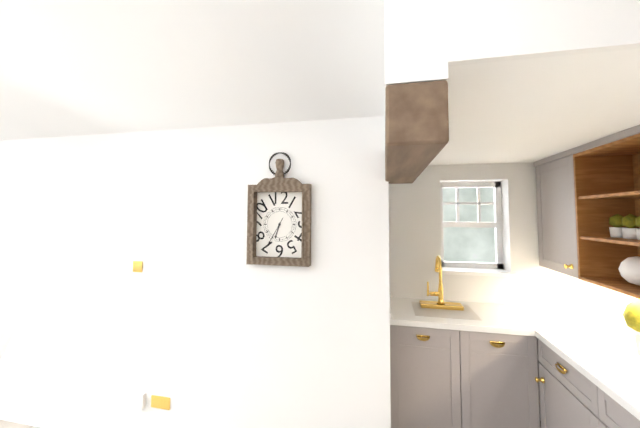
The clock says 6,35
